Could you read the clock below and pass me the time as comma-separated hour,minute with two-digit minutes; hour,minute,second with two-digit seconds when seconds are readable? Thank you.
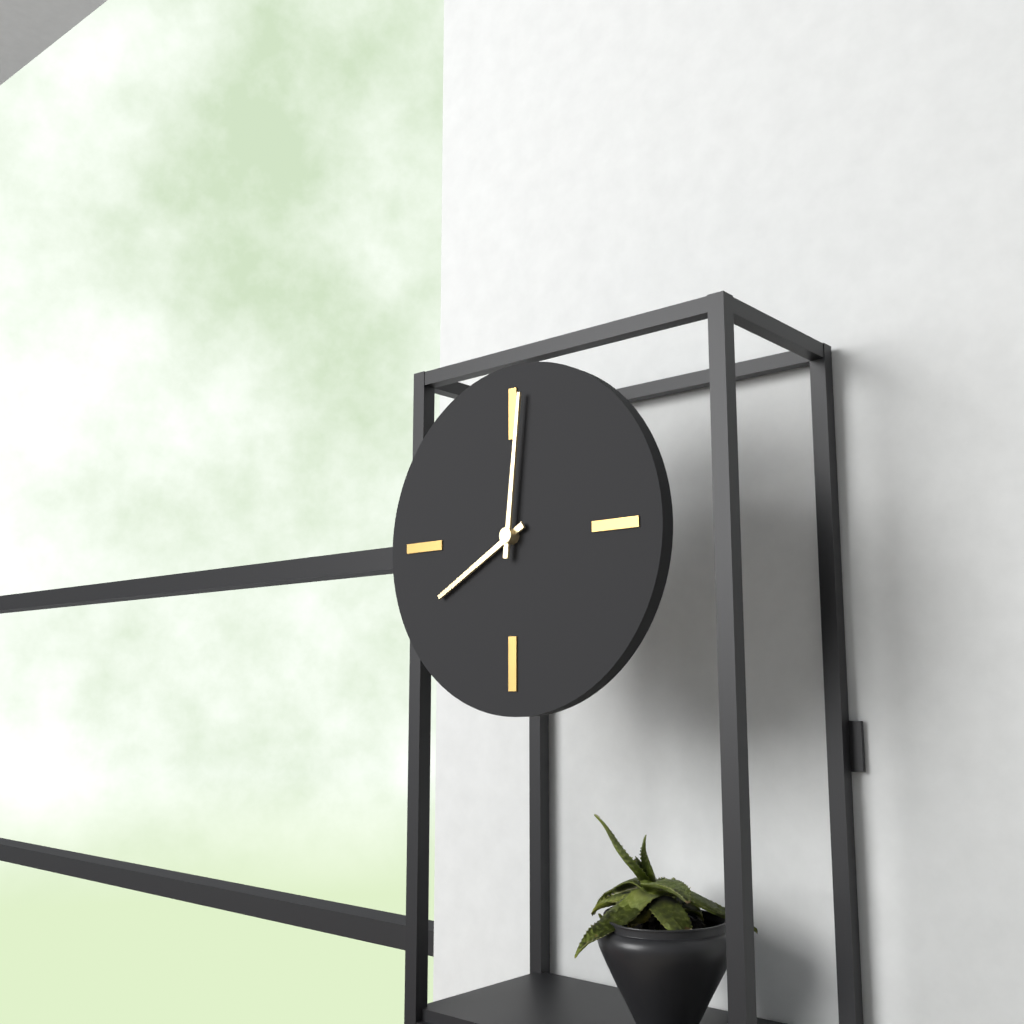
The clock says 8,01
